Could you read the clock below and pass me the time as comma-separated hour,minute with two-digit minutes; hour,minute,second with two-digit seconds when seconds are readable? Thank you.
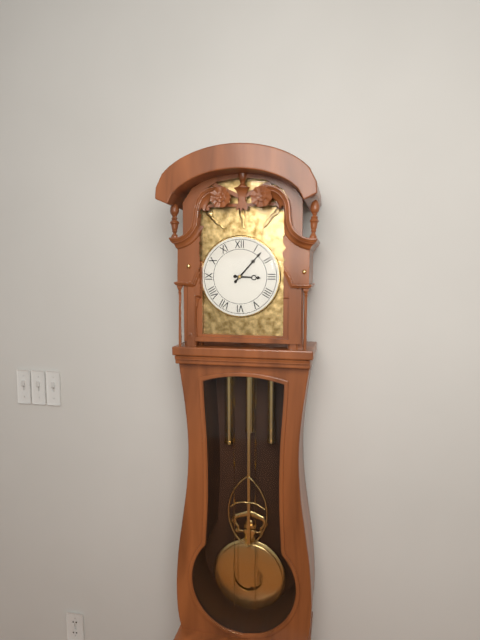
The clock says 3,07
